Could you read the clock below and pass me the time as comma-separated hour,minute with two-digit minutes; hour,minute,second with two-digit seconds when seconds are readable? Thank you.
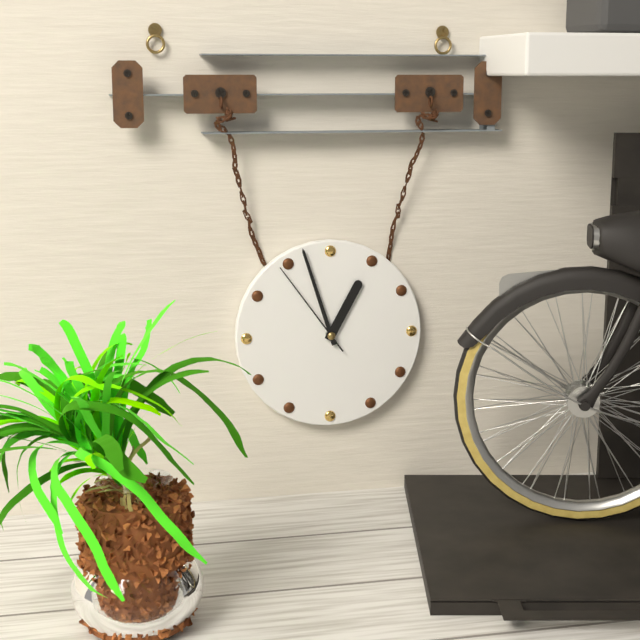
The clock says 12,57,54
